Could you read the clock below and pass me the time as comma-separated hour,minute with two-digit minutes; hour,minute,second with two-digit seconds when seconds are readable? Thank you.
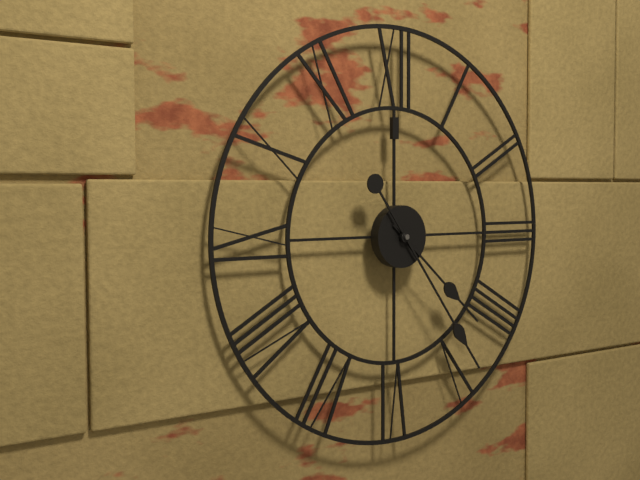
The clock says 4,24
